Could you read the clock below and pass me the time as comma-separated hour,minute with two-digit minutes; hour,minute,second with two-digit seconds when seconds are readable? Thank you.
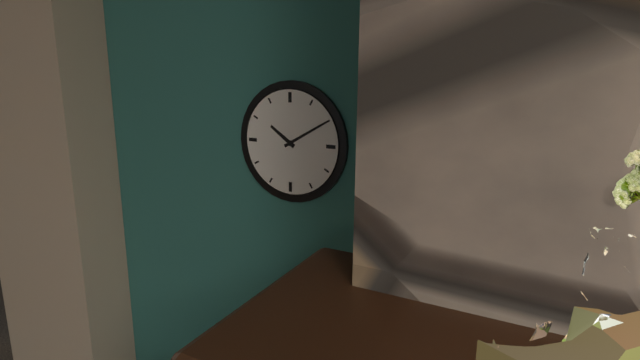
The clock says 10,10
